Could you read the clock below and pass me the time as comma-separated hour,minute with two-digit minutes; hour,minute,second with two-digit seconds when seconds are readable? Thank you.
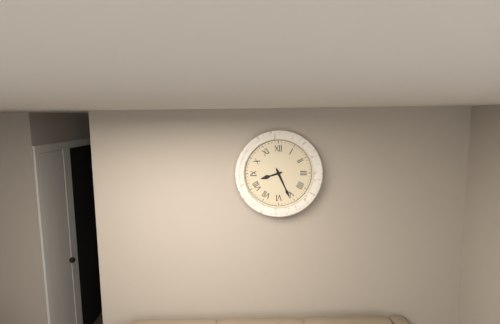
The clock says 8,26
